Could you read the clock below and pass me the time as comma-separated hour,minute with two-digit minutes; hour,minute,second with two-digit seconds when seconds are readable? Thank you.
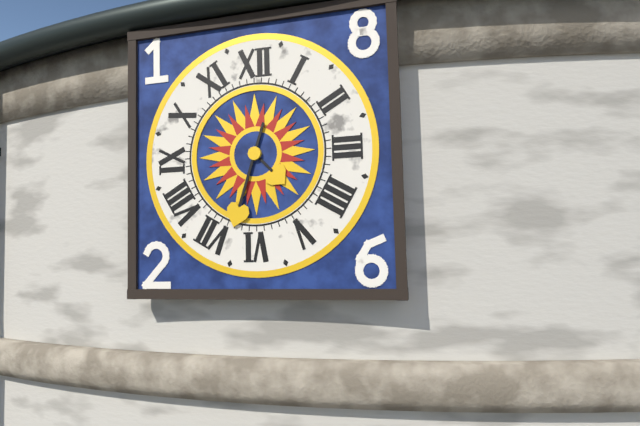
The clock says 4,33
